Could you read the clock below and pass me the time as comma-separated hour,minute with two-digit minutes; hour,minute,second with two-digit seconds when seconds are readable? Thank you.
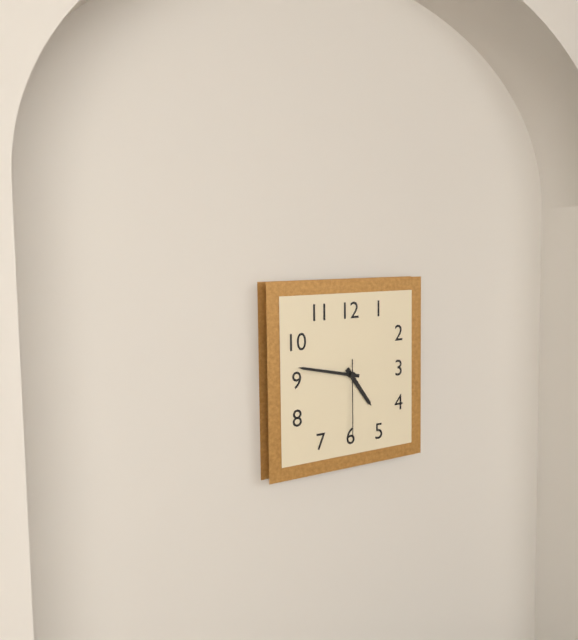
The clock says 4,47,30
